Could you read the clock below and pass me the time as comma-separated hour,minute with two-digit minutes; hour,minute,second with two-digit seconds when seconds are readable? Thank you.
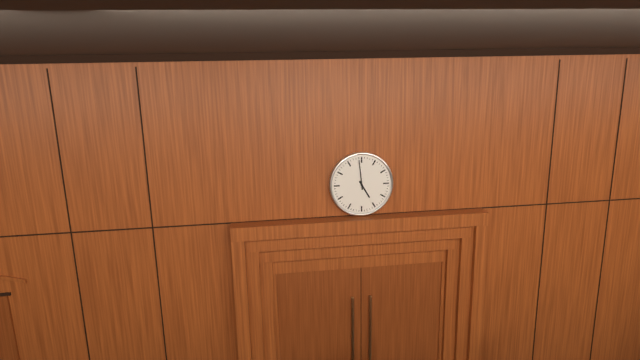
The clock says 4,59
